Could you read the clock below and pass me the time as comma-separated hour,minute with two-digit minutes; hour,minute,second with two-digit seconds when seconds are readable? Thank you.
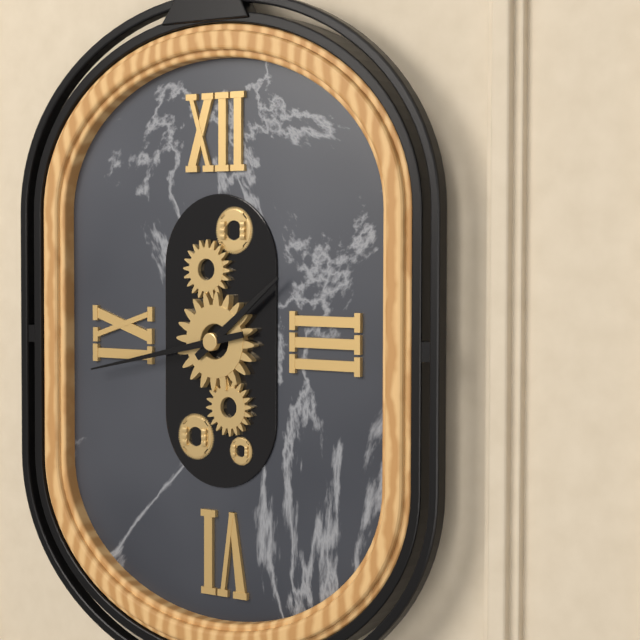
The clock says 1,43
